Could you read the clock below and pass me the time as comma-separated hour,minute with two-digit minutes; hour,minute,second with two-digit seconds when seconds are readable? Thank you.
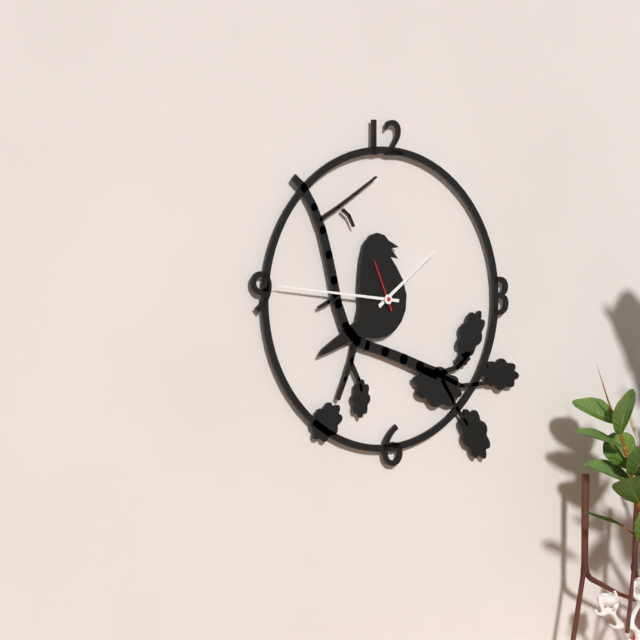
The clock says 1,46,56
